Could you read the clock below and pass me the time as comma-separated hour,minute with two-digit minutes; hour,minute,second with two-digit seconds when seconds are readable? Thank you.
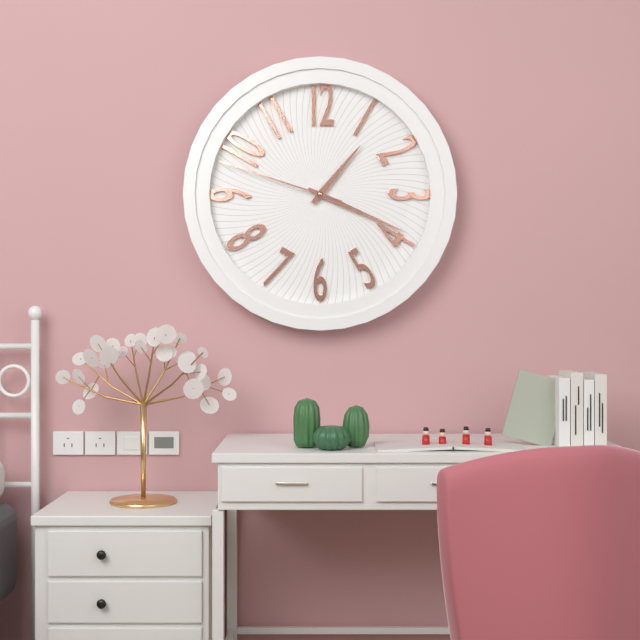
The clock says 1,19,48
